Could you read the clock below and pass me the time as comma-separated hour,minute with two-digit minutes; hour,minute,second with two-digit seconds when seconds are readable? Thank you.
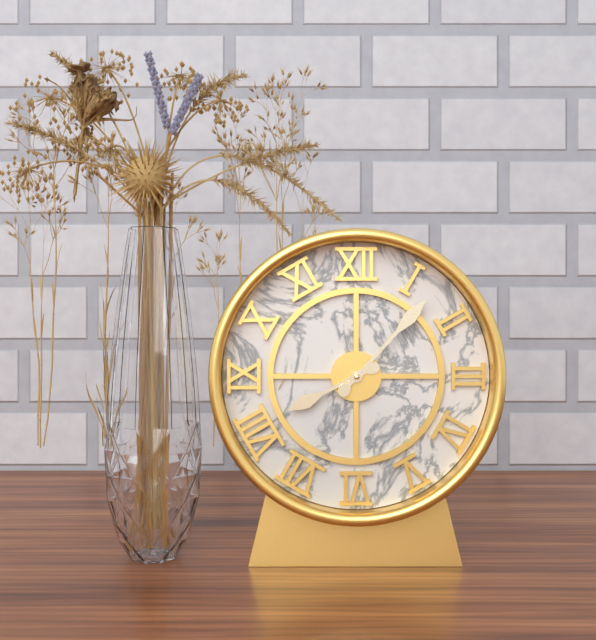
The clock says 8,07
